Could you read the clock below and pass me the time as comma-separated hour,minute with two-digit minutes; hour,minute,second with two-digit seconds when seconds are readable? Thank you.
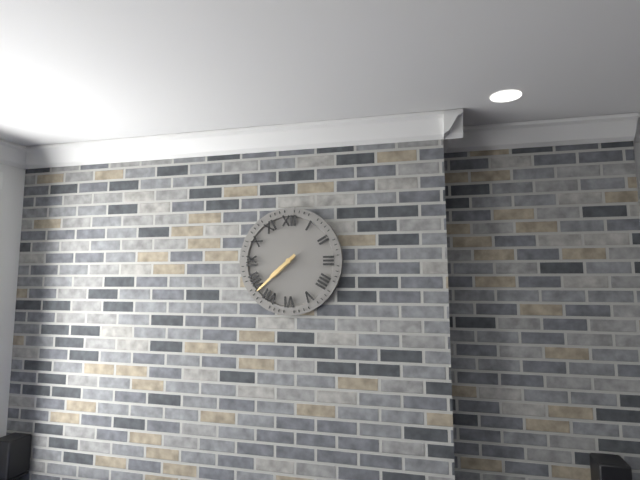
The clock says 7,38
